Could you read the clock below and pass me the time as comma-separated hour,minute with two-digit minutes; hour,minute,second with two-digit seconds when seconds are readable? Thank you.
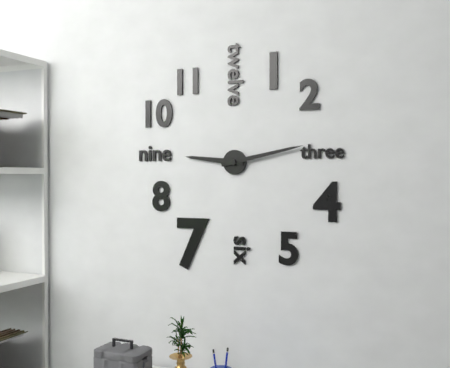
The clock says 9,13
